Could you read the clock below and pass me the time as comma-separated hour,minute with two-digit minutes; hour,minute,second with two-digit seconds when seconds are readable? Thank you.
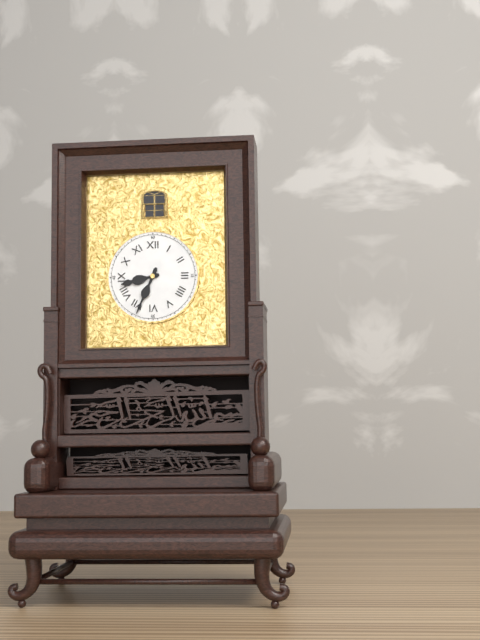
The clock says 8,34
